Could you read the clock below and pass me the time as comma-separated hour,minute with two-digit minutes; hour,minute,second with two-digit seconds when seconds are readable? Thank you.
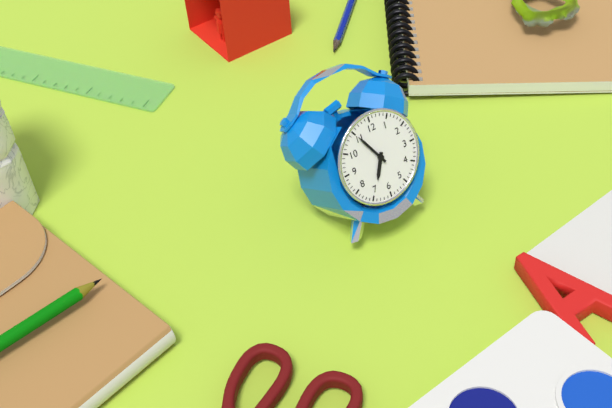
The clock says 6,55
